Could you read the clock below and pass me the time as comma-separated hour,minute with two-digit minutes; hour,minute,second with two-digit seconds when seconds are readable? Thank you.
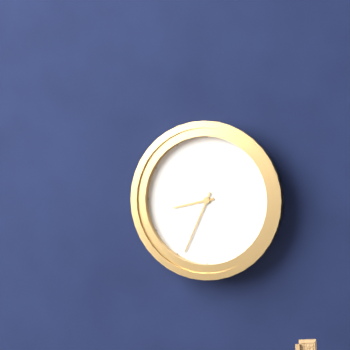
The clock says 8,34
